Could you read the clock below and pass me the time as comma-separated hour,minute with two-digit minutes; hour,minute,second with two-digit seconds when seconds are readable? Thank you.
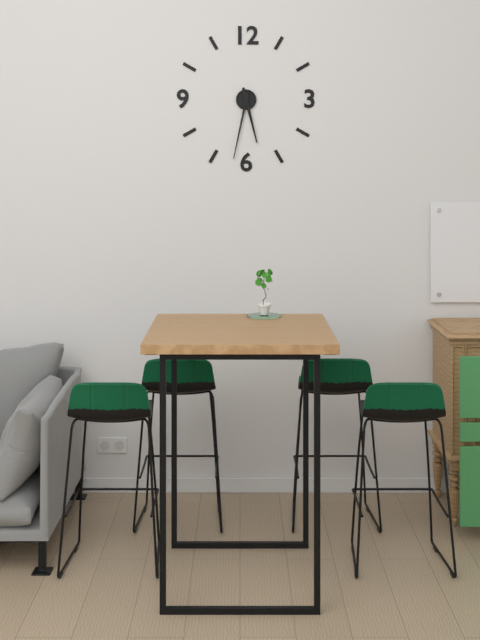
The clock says 5,32
